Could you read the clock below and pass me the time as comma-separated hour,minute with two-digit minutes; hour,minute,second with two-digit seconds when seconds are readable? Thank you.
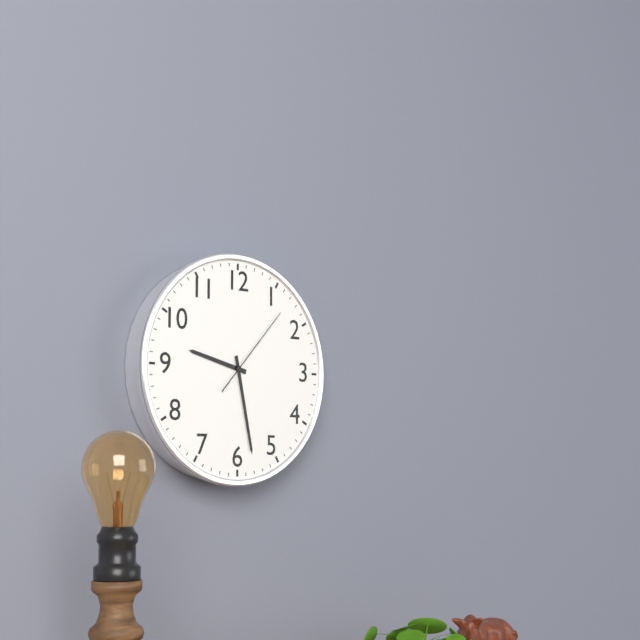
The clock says 9,28,07
